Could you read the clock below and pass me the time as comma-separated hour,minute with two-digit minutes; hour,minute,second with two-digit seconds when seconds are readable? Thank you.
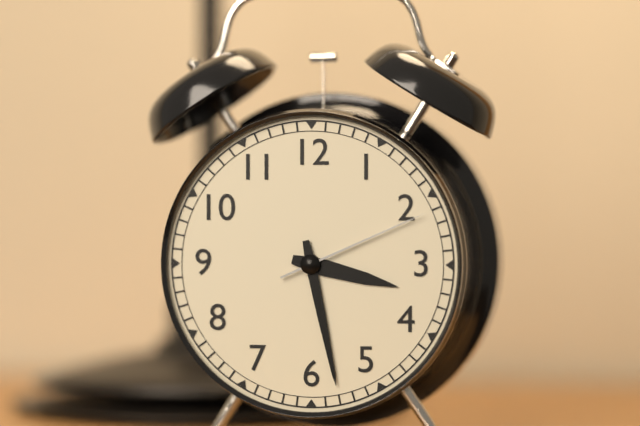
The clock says 3,28,11
